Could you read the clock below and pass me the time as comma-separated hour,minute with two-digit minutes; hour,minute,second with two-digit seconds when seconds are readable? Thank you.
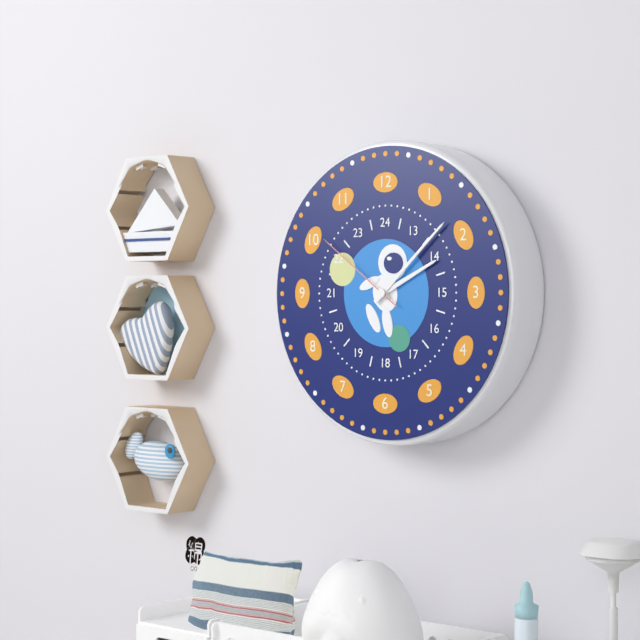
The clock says 2,08,51
